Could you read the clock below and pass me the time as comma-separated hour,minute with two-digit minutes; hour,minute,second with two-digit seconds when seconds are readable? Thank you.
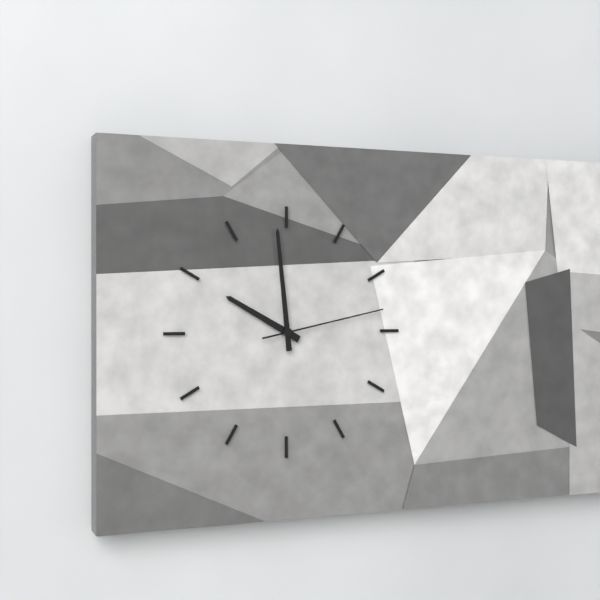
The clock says 9,59,13
